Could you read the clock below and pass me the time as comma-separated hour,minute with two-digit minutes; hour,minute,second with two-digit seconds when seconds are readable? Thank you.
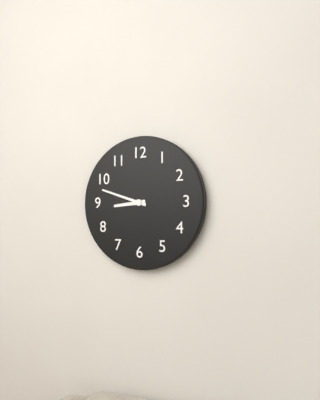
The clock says 8,48
